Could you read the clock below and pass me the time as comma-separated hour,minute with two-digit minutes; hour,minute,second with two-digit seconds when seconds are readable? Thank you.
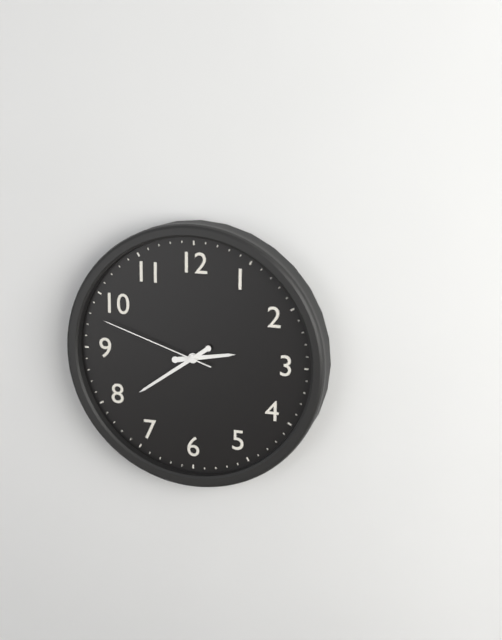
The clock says 2,39,48
